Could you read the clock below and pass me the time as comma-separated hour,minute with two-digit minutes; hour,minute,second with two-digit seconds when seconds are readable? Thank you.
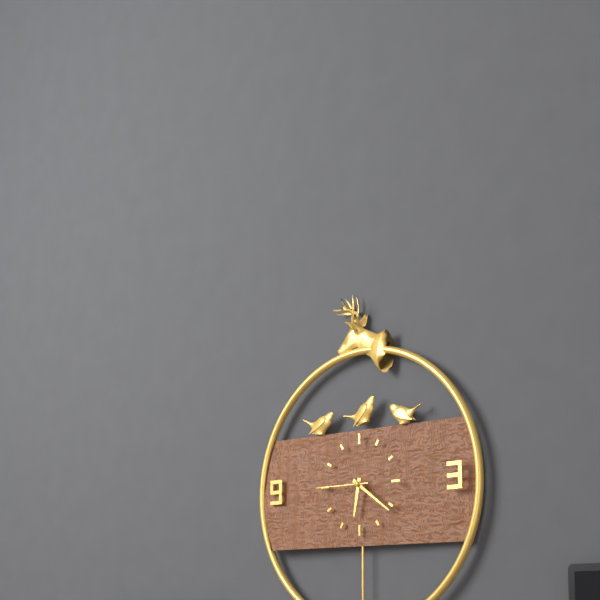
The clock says 6,21,45
